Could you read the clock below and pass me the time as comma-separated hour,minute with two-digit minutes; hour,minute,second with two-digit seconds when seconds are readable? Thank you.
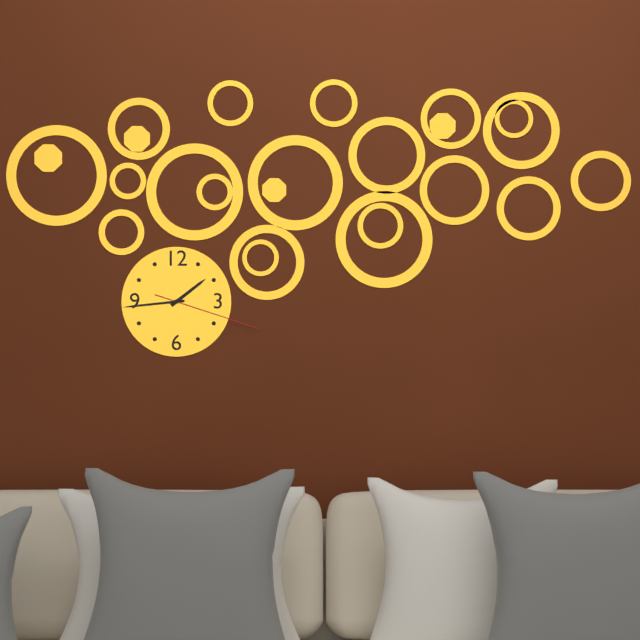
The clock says 1,44,18
